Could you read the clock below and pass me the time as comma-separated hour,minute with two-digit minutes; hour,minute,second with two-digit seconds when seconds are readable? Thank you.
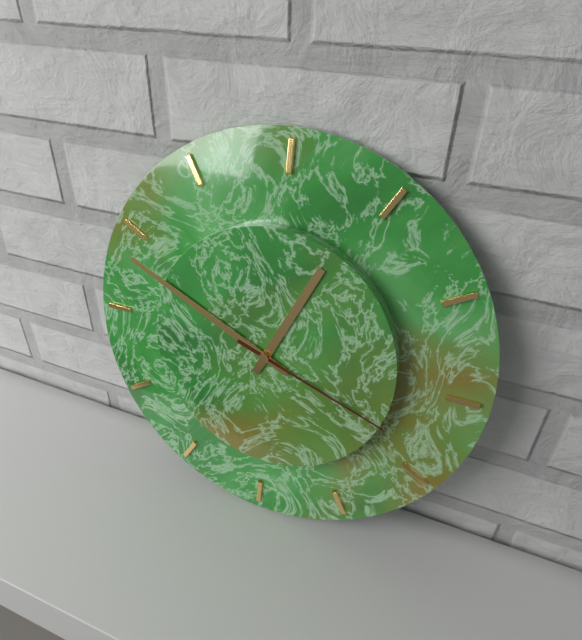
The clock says 12,49,18
